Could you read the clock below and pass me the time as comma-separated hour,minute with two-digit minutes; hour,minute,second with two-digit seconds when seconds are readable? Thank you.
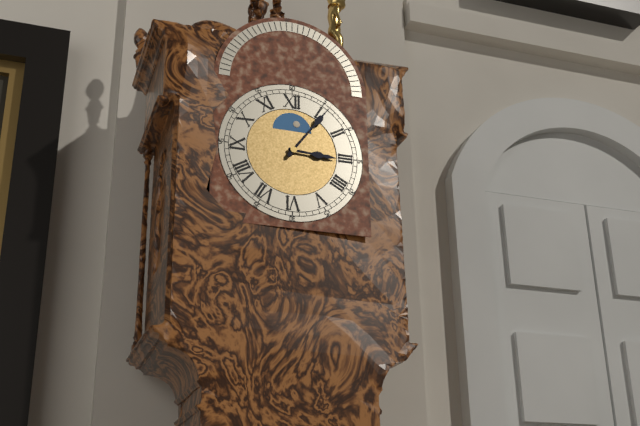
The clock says 3,06
